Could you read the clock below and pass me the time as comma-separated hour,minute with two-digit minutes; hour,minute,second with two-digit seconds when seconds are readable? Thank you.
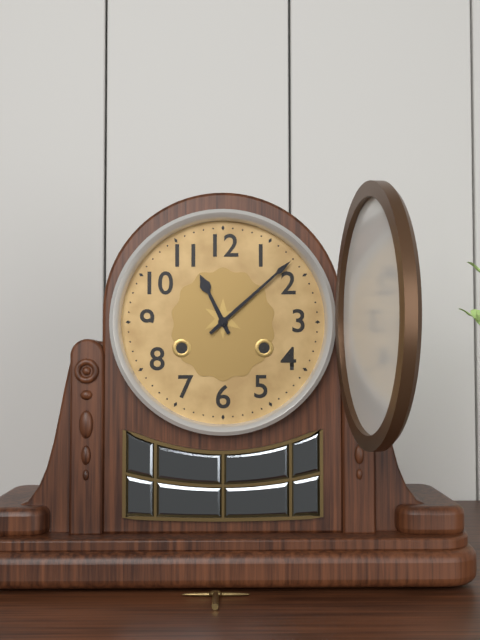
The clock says 11,08
